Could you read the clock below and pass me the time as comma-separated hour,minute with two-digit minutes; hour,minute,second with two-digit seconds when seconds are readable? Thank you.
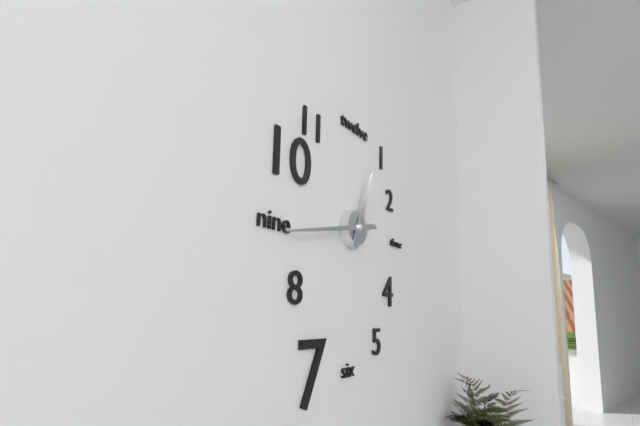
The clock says 12,43
